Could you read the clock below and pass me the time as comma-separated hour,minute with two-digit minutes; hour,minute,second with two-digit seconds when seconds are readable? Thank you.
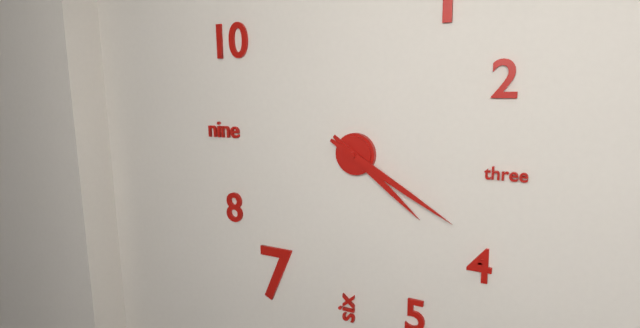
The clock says 4,20
